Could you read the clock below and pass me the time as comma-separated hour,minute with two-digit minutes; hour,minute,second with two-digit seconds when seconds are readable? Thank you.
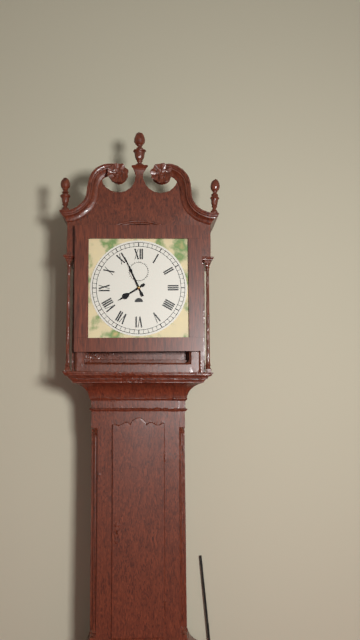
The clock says 7,56
